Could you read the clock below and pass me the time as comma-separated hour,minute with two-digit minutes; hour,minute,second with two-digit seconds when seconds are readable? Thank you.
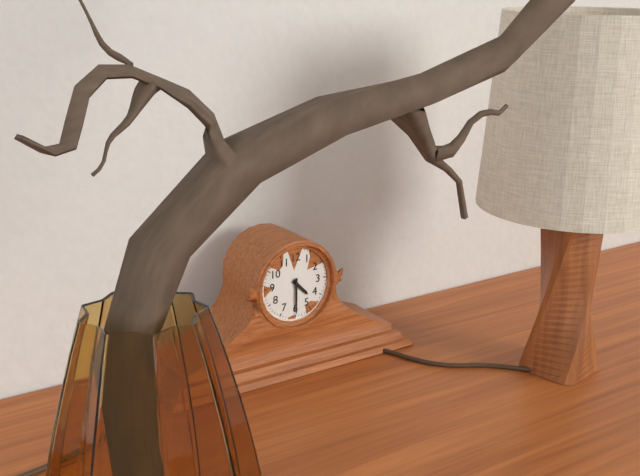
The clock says 4,30
